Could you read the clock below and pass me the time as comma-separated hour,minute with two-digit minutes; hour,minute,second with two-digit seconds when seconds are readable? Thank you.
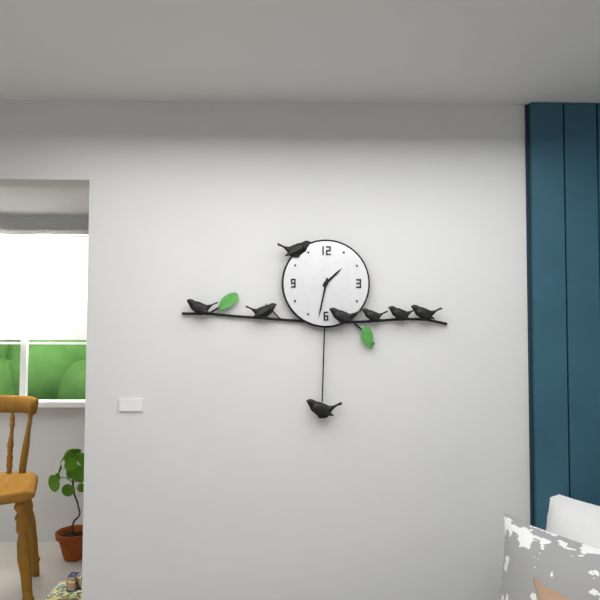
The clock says 1,32
